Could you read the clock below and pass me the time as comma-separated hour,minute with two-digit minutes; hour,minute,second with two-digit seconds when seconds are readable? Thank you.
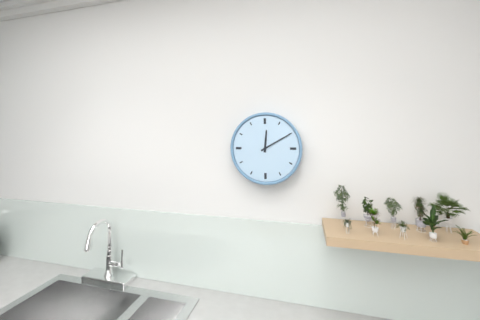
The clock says 12,10
